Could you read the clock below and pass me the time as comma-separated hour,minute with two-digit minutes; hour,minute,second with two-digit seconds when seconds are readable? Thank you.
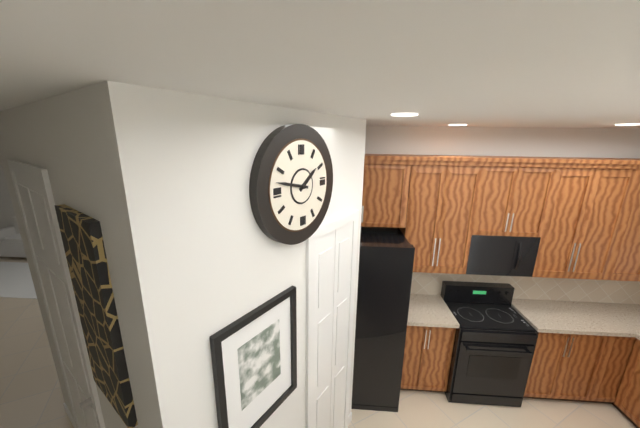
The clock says 1,47
